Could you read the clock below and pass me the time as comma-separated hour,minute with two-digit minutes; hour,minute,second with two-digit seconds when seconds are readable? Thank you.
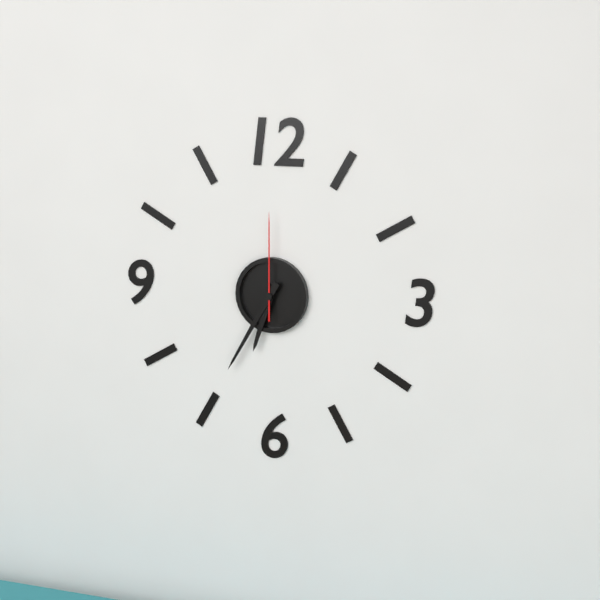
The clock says 6,35,00
